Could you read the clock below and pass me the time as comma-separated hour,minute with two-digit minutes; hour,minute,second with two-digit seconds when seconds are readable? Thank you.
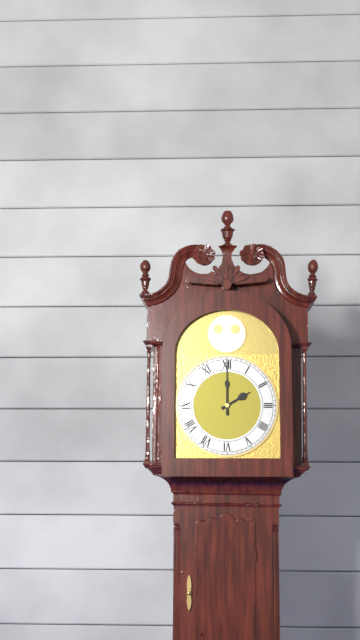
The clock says 2,00
